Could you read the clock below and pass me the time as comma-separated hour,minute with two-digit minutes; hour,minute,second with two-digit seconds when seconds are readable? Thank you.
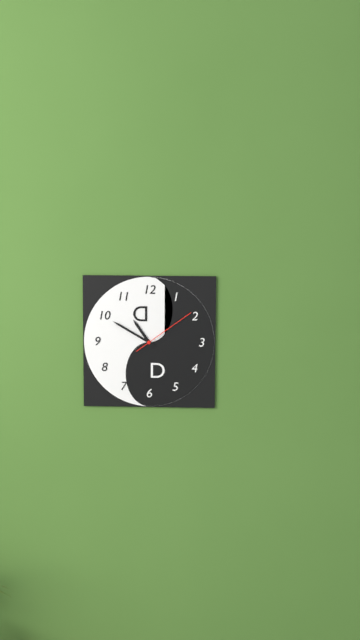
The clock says 10,50,09
